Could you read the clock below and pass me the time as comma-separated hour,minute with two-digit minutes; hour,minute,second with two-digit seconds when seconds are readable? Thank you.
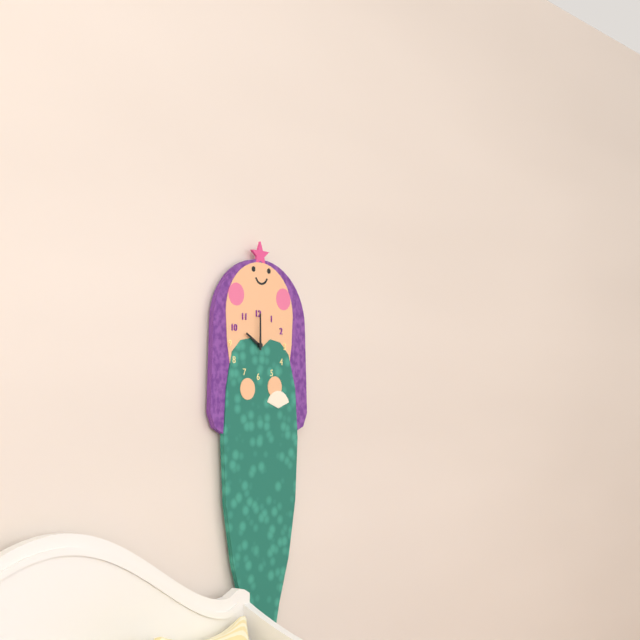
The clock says 10,00
